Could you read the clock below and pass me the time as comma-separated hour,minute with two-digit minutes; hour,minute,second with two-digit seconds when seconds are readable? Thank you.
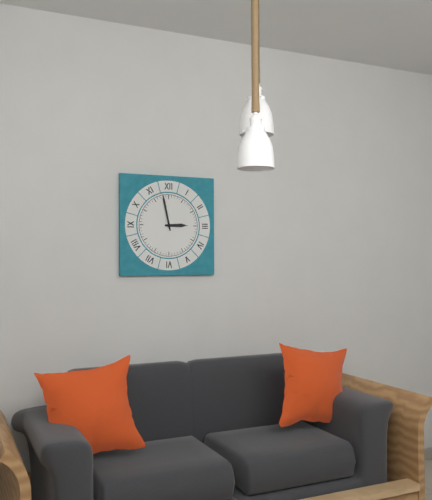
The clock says 2,58
